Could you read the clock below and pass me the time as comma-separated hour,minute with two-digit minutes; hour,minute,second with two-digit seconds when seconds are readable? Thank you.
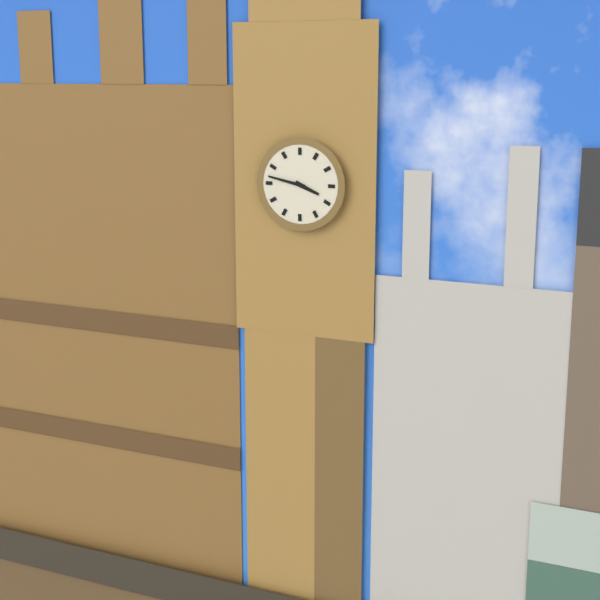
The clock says 3,47
